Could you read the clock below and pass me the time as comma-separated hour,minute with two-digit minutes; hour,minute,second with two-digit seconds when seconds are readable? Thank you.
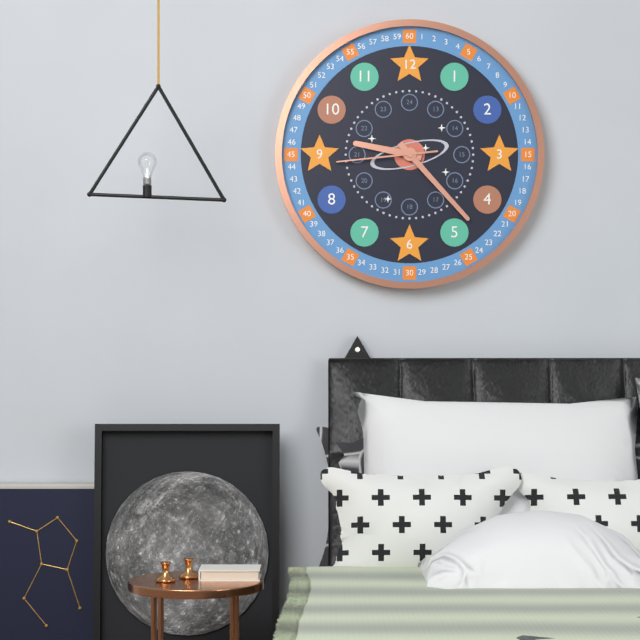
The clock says 9,23,44
